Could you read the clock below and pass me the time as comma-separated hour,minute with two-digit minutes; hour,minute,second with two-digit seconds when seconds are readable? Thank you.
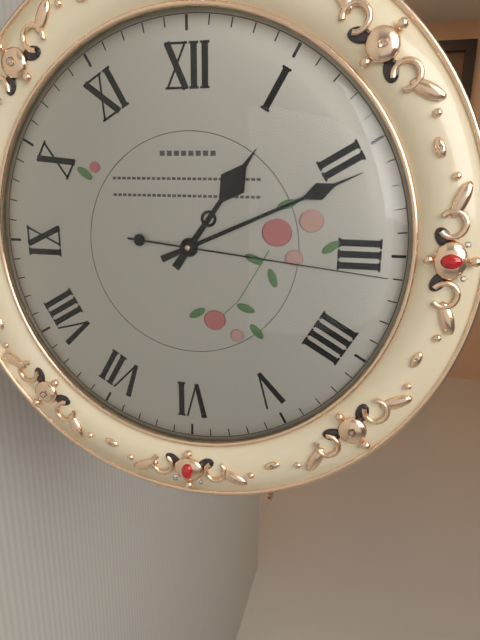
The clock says 1,11,16
